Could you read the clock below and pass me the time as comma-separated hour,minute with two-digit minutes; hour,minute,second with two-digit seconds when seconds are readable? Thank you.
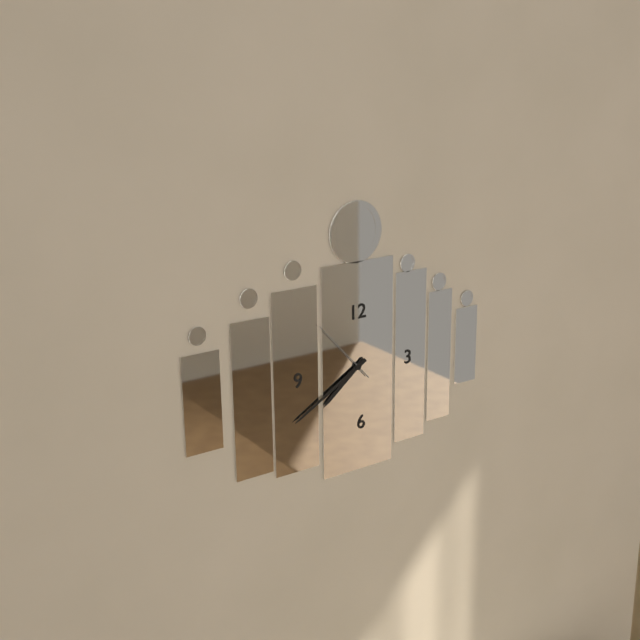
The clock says 7,40,53
